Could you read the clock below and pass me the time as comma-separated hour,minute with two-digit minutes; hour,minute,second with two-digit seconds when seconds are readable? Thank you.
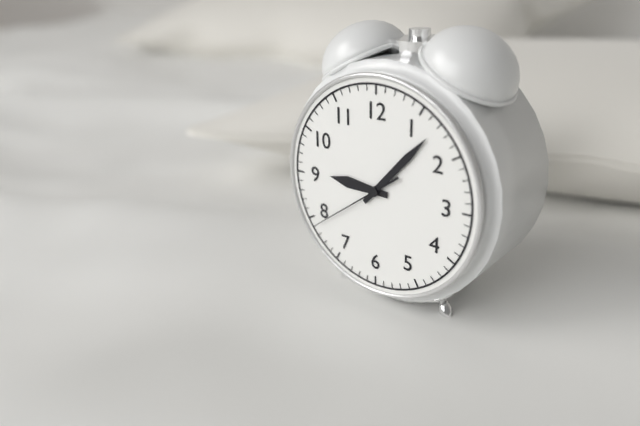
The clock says 9,07,39
